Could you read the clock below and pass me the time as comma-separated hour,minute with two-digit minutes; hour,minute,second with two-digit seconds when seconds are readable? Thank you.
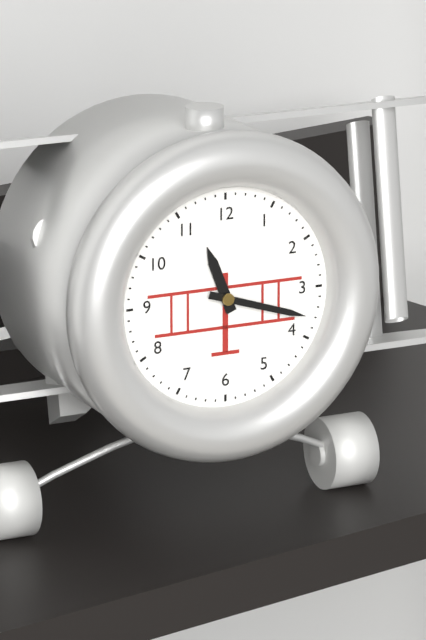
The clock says 11,18
